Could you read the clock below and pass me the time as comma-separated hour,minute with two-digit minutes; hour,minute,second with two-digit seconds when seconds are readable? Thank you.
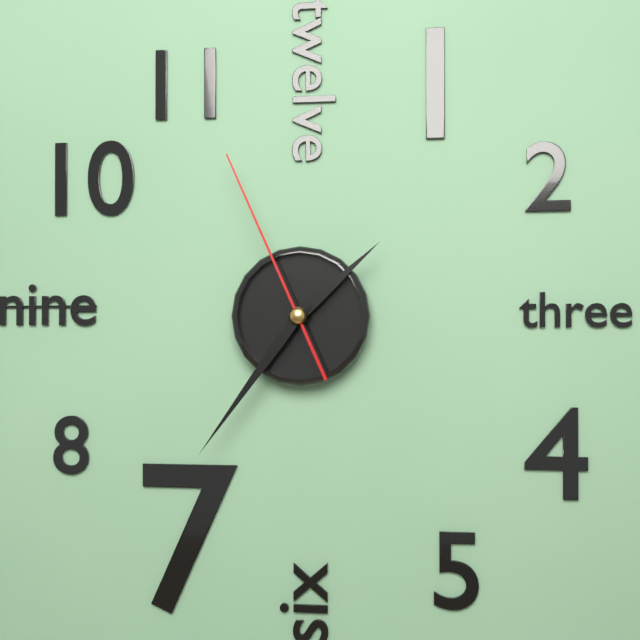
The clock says 1,36,56
